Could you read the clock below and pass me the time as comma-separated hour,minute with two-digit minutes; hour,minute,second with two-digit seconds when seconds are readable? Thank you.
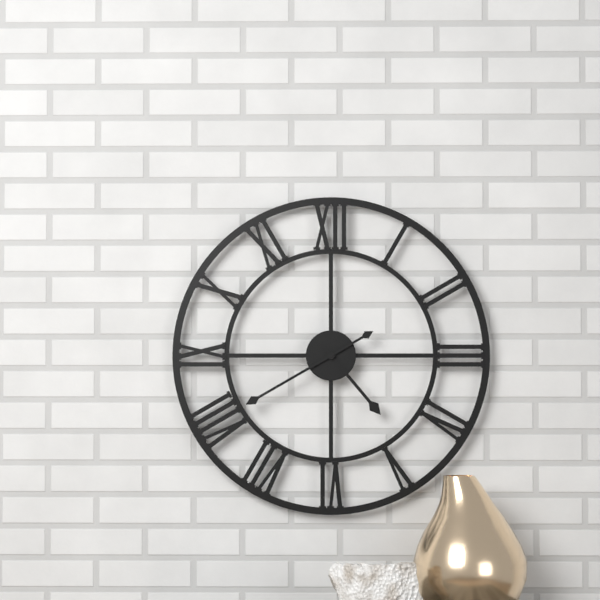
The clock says 4,40
